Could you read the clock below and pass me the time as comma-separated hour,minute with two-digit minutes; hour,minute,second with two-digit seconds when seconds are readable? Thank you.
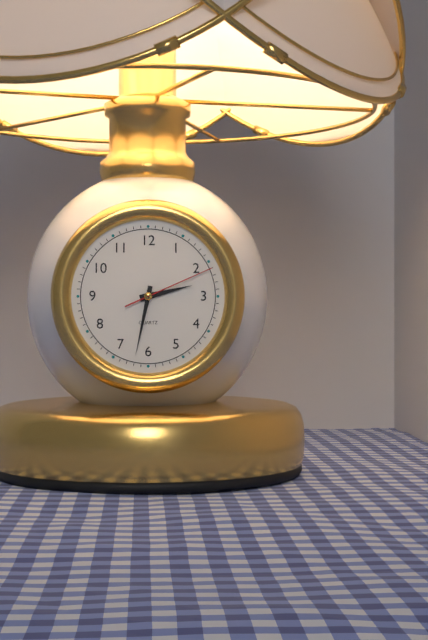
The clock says 2,32,11
